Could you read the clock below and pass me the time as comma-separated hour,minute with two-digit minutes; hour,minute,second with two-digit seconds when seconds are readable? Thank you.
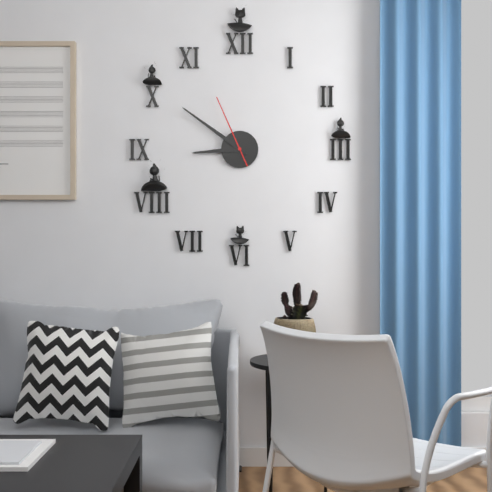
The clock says 8,51,56
